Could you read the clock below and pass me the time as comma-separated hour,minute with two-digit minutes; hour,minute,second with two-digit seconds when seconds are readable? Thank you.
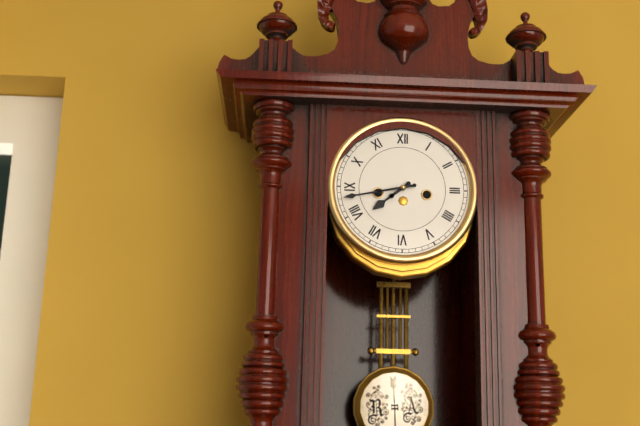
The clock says 7,43
